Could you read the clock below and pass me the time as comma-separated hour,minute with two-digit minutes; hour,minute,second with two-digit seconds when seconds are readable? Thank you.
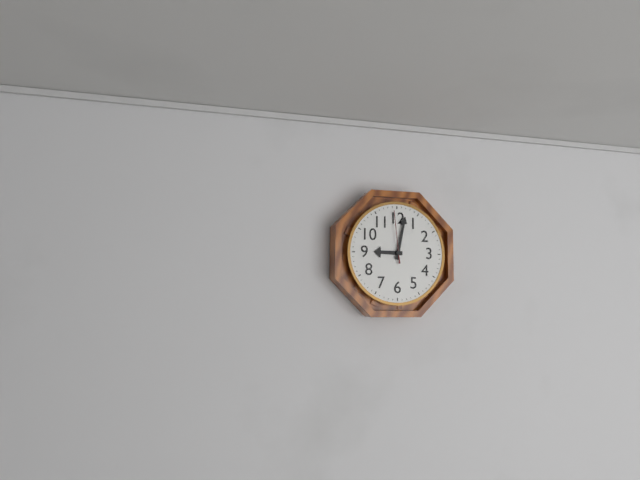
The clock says 9,02,59
